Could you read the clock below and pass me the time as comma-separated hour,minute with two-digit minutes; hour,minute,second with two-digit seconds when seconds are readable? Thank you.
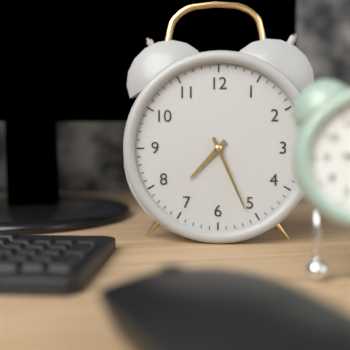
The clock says 7,26
